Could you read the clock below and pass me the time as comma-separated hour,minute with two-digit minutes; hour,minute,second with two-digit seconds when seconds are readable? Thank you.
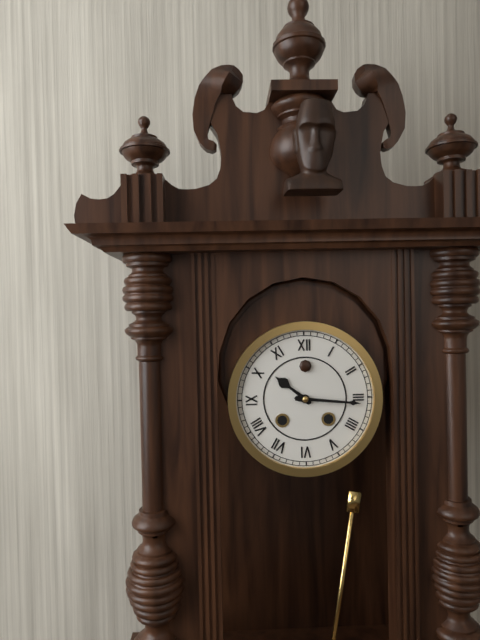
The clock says 10,16
